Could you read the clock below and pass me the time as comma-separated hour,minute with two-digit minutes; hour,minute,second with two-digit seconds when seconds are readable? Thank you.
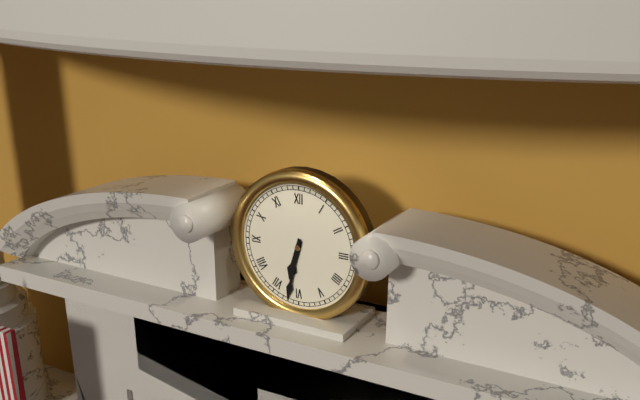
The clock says 6,32
